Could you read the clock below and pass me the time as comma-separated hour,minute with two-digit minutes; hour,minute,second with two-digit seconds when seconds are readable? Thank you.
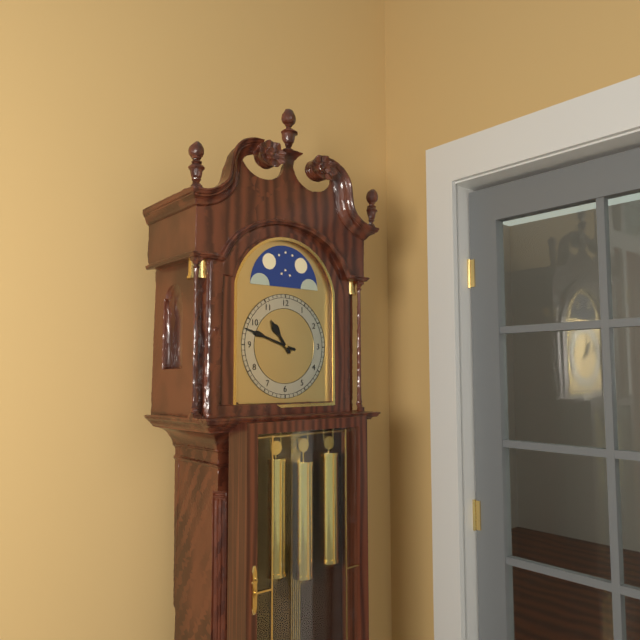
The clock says 10,48
